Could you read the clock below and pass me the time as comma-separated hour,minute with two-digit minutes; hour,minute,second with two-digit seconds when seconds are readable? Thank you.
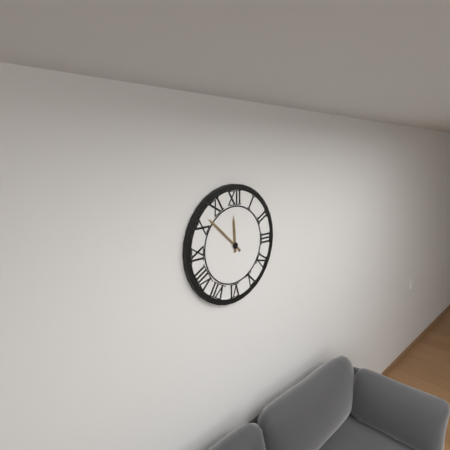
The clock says 11,52
